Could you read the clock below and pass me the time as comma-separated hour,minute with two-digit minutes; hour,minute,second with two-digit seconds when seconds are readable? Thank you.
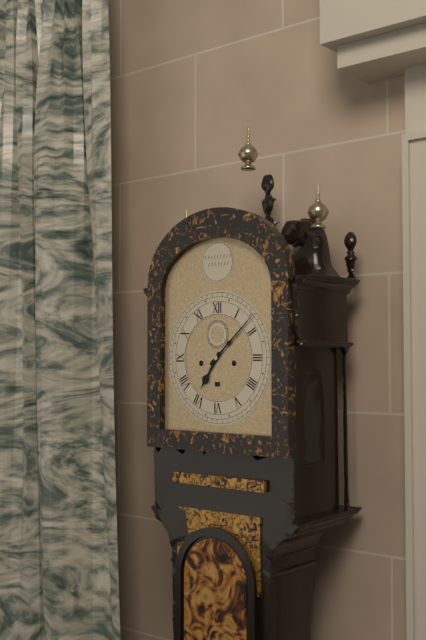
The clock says 7,08
